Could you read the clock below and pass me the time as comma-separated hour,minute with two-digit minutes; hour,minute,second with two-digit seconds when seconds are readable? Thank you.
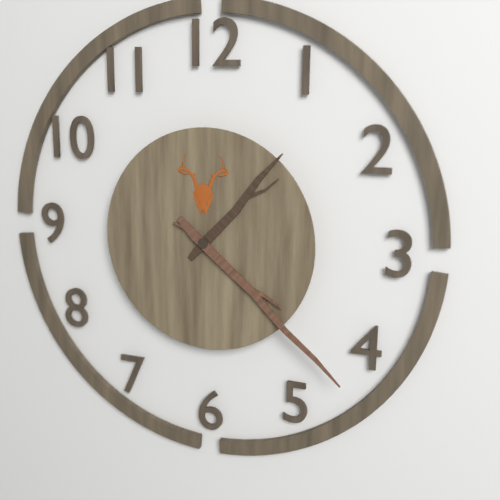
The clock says 1,22
